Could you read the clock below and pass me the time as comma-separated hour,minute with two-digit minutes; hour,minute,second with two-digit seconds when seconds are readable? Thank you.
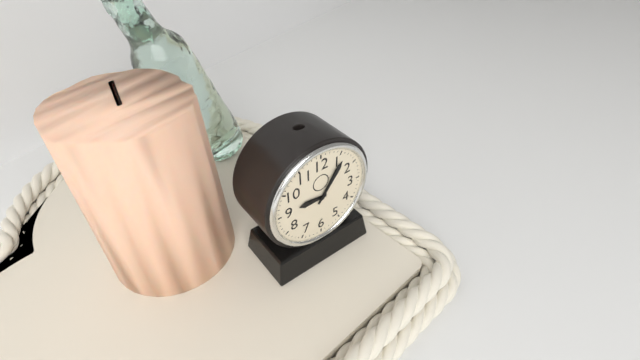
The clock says 9,06
